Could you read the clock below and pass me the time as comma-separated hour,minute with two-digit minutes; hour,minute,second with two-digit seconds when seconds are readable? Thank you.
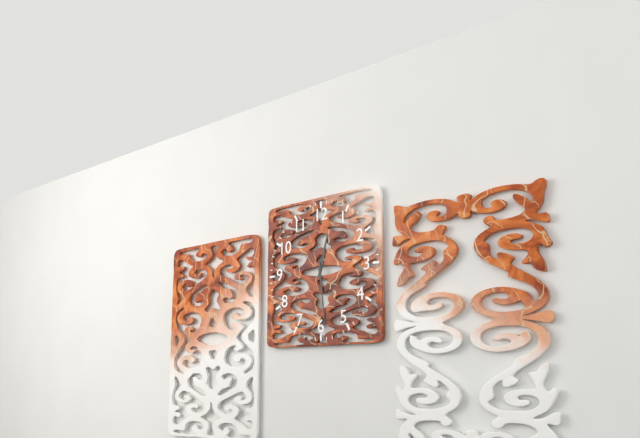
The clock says 12,29
